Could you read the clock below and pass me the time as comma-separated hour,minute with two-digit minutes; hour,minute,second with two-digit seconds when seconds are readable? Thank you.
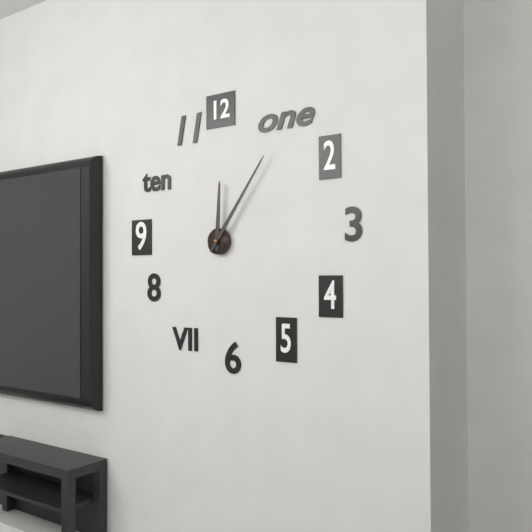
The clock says 12,06
